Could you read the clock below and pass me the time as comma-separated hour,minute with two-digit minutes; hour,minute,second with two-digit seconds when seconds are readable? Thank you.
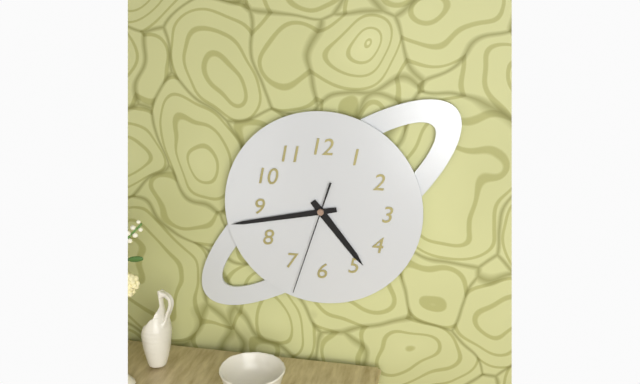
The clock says 4,43,33
